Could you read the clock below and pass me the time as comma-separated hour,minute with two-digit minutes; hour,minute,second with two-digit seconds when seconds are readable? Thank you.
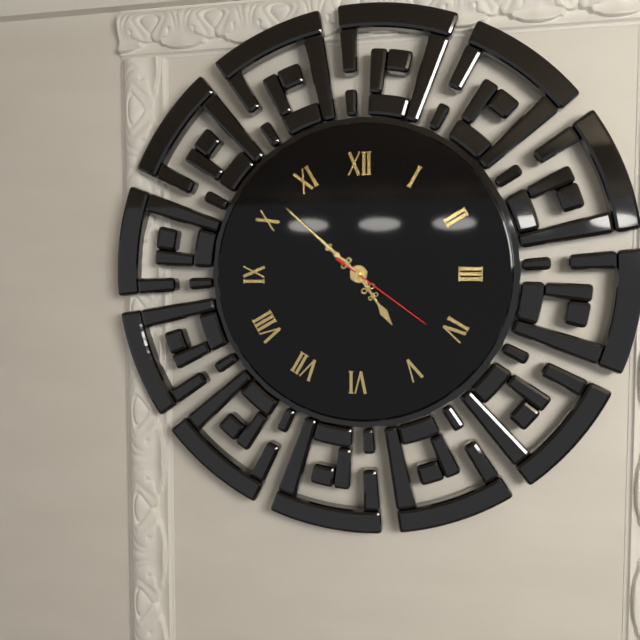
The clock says 4,52,21
